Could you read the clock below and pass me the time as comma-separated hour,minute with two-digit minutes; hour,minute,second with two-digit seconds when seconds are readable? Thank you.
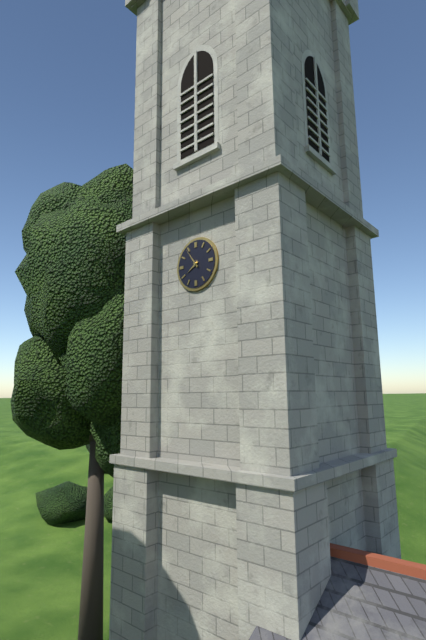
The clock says 7,54
